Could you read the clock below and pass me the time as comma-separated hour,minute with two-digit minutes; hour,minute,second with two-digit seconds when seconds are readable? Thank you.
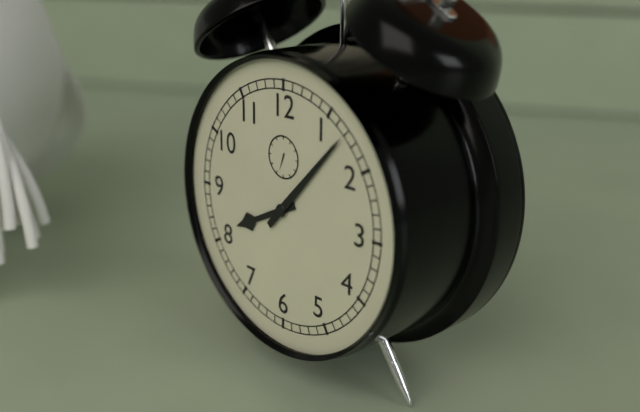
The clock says 8,07
